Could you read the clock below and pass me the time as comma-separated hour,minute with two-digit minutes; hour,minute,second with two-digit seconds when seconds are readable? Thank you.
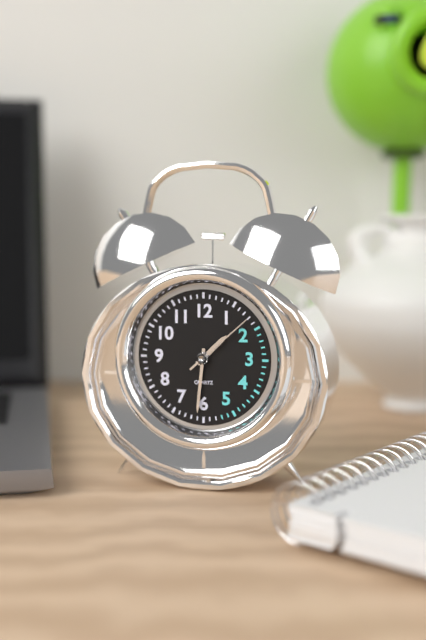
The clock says 1,31,08
